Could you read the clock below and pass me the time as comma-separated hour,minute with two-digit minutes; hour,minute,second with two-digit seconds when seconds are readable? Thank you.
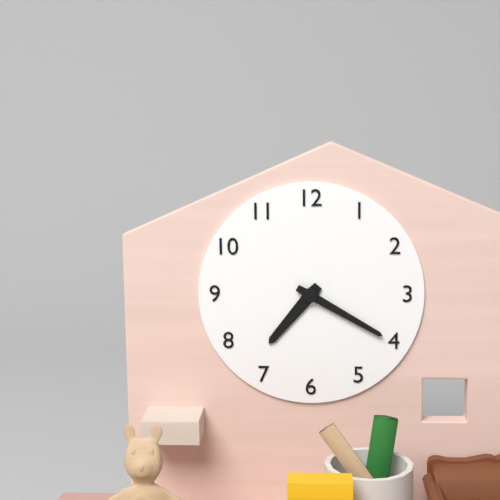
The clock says 7,20
